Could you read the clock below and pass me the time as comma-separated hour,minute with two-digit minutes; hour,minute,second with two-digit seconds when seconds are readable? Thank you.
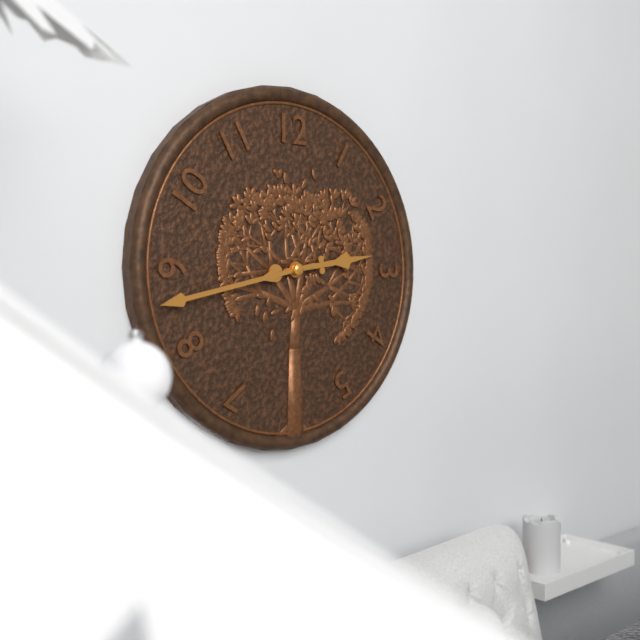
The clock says 2,43
